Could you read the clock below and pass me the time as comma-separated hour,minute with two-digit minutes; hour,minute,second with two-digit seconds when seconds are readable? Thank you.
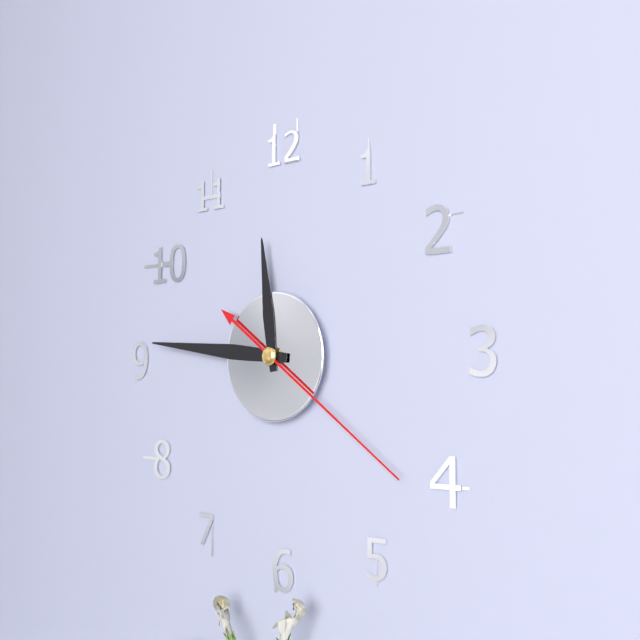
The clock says 11,46,21
